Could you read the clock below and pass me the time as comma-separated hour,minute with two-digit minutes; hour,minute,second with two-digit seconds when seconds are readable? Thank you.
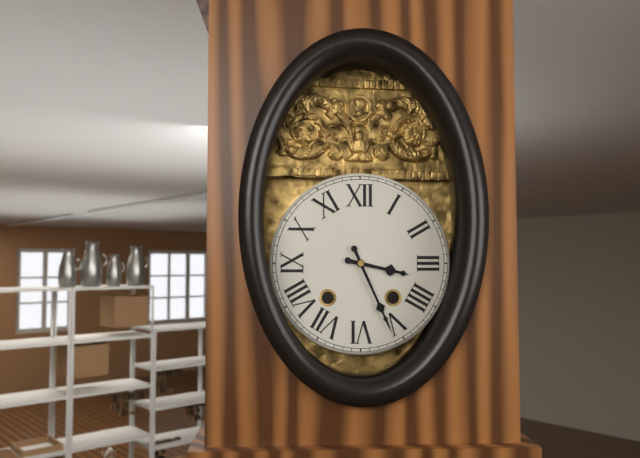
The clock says 3,26
